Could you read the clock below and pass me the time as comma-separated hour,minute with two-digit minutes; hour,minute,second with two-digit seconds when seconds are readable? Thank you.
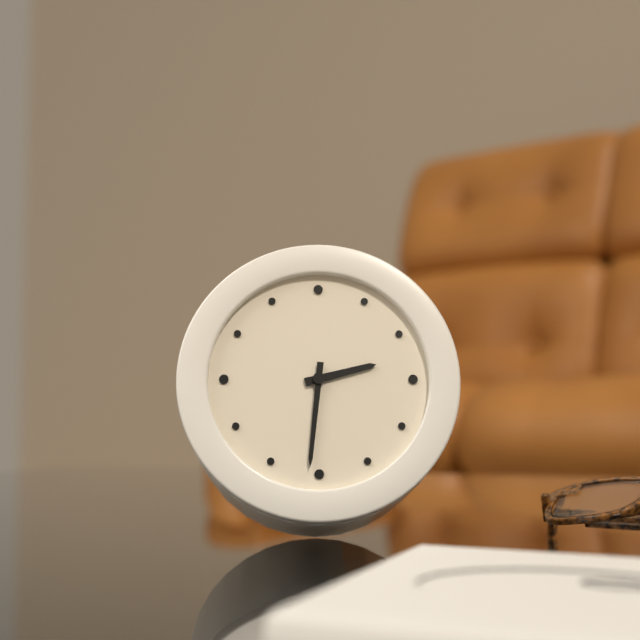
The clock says 2,31
